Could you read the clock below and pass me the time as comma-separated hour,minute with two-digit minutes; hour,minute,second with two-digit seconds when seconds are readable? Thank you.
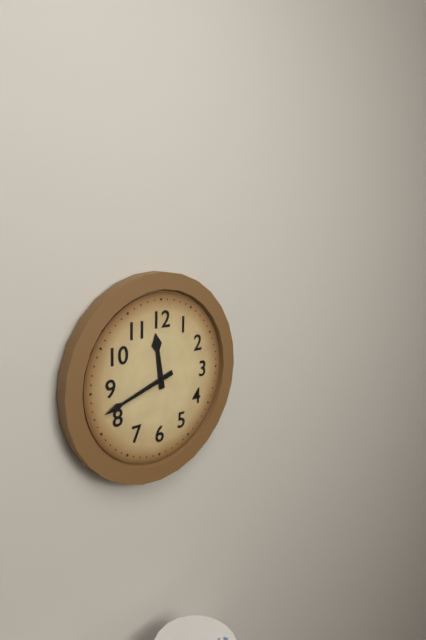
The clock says 11,42
